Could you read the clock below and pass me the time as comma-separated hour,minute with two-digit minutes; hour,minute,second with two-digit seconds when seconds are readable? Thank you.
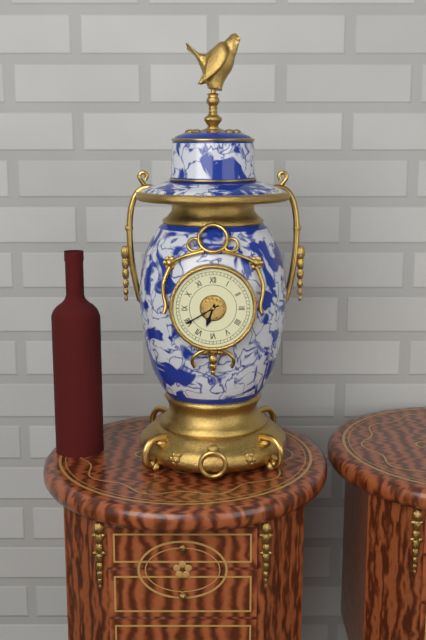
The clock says 6,40
